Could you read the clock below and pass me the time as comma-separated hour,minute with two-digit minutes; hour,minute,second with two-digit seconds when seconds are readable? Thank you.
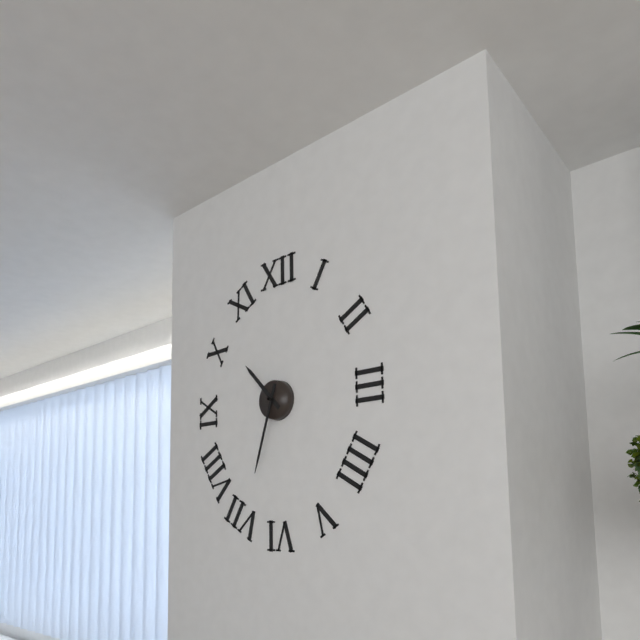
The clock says 10,33
